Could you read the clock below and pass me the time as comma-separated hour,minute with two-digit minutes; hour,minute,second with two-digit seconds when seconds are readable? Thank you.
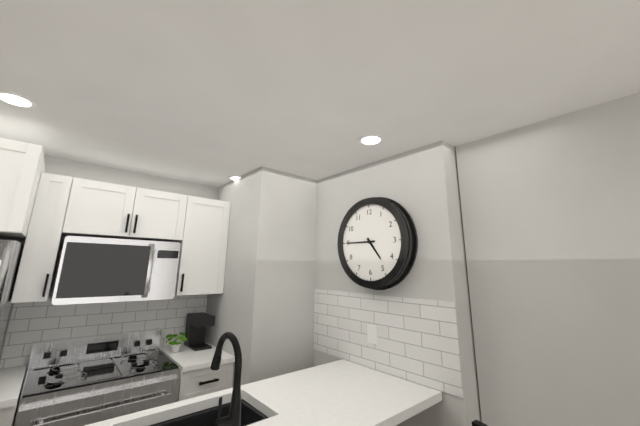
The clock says 4,45
